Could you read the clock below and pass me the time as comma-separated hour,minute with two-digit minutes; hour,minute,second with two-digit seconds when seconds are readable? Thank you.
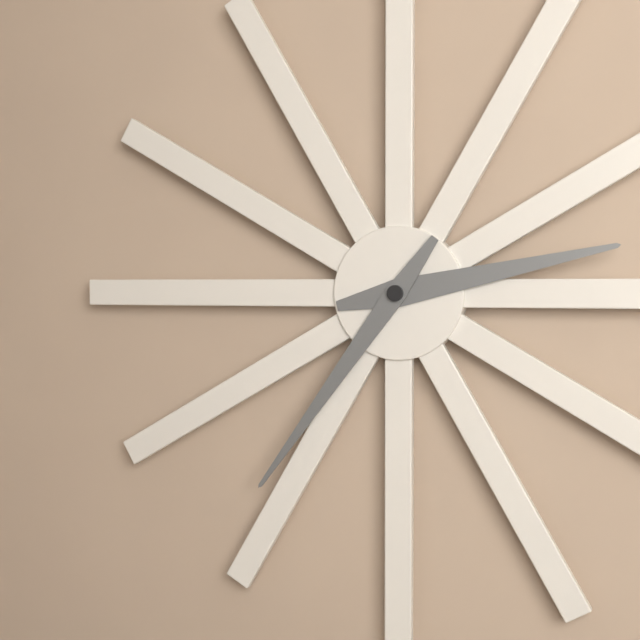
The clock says 2,36
